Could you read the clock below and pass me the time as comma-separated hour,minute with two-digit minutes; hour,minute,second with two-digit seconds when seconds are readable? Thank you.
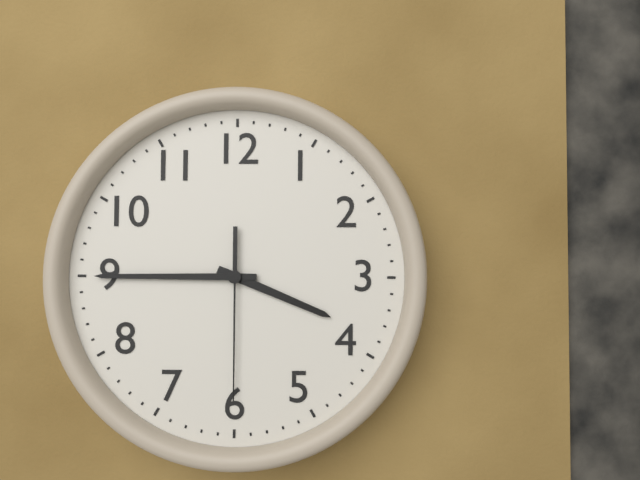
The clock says 3,45,30
